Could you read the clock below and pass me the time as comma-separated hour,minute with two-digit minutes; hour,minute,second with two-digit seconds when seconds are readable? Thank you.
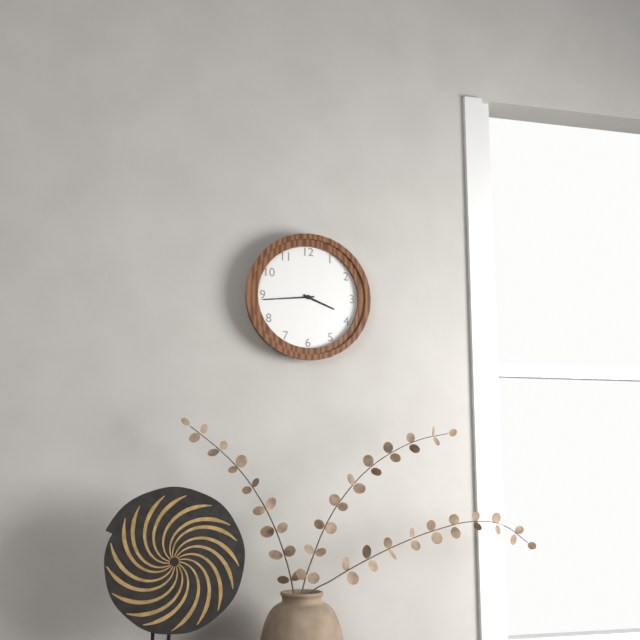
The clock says 3,44
